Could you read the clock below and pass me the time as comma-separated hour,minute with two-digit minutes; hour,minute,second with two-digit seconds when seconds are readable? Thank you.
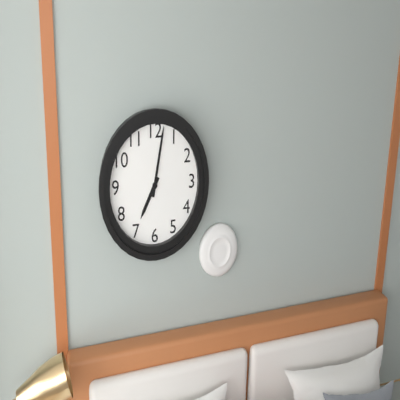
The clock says 7,02
